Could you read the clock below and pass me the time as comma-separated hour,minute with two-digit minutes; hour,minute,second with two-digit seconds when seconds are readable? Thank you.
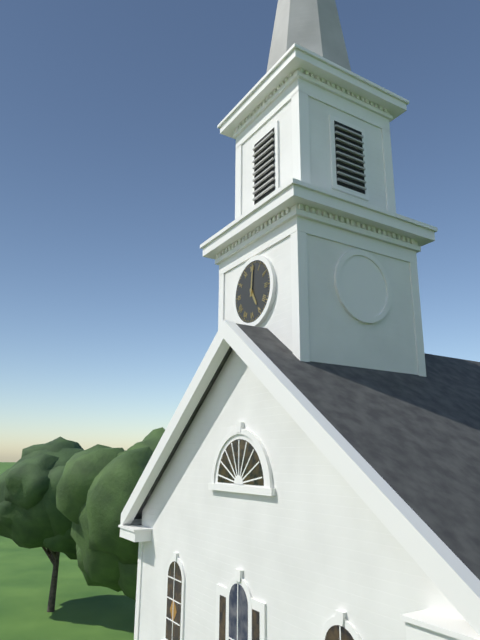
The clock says 5,01
